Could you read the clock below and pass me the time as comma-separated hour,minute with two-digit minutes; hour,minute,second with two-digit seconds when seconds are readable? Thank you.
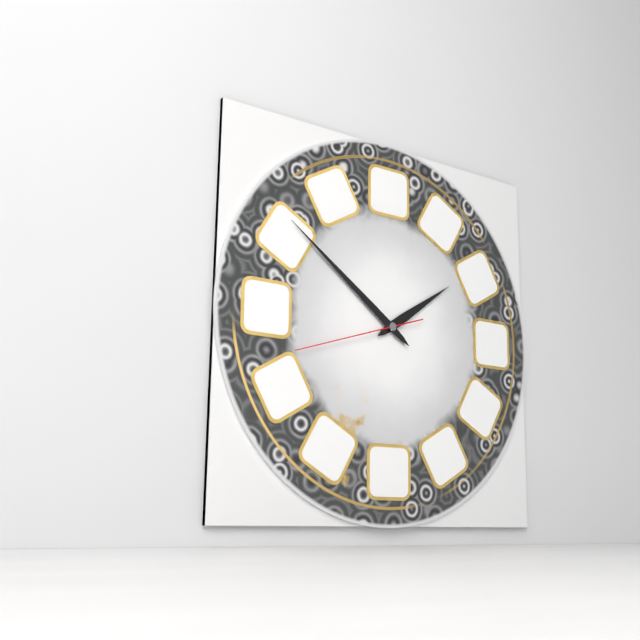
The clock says 1,51,42
